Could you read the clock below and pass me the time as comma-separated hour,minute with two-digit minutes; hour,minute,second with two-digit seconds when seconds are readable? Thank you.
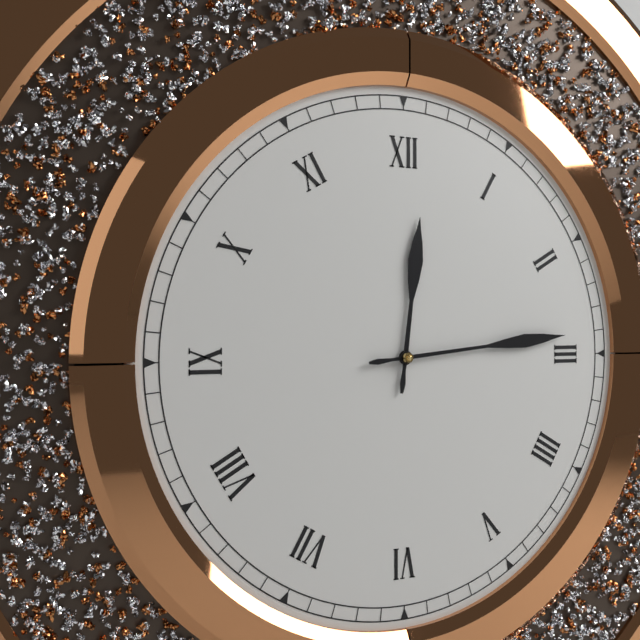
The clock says 12,14
